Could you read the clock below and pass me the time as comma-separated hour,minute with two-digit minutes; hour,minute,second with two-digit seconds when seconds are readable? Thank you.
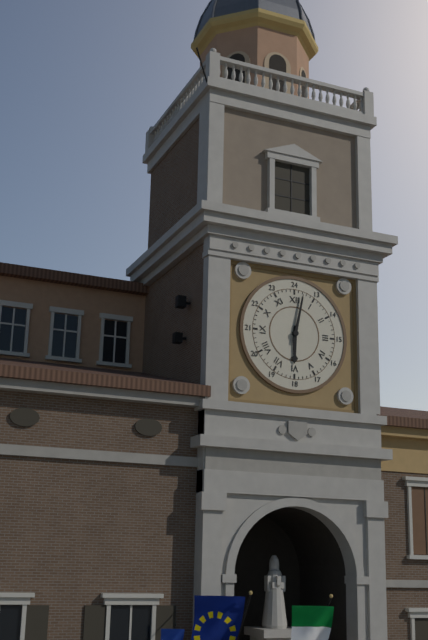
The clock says 6,02
